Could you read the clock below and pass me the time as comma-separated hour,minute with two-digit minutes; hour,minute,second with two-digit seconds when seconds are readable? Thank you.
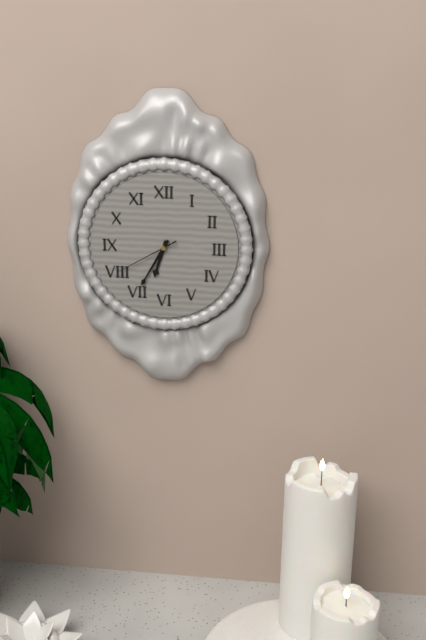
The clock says 6,35,40
